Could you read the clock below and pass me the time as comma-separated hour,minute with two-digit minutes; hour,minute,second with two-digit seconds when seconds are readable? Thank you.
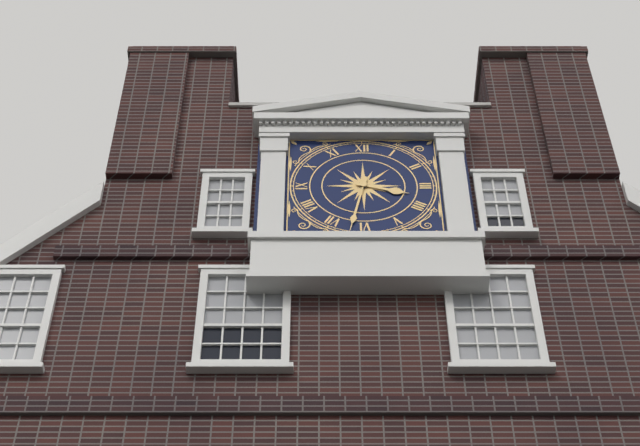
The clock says 3,32
